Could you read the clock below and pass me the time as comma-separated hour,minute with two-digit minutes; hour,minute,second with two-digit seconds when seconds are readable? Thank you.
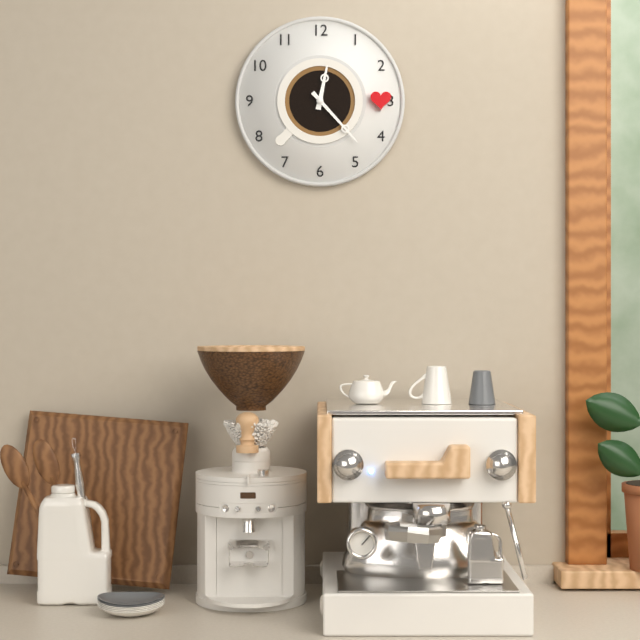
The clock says 12,23
